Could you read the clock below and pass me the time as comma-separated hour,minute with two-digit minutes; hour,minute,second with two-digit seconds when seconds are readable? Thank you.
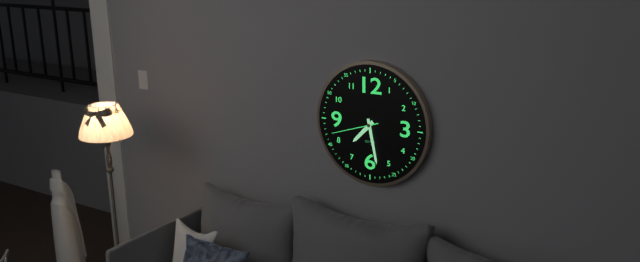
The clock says 7,28
